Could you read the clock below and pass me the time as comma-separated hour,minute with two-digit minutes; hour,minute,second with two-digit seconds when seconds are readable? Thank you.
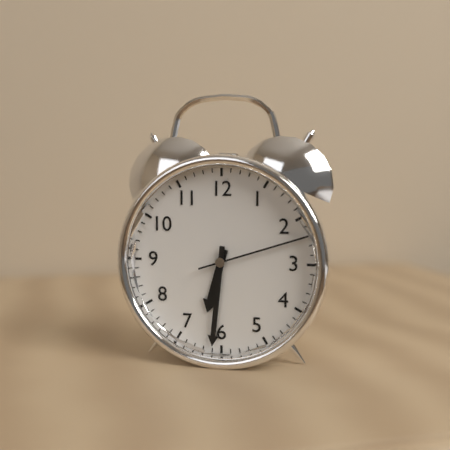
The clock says 6,31,12
